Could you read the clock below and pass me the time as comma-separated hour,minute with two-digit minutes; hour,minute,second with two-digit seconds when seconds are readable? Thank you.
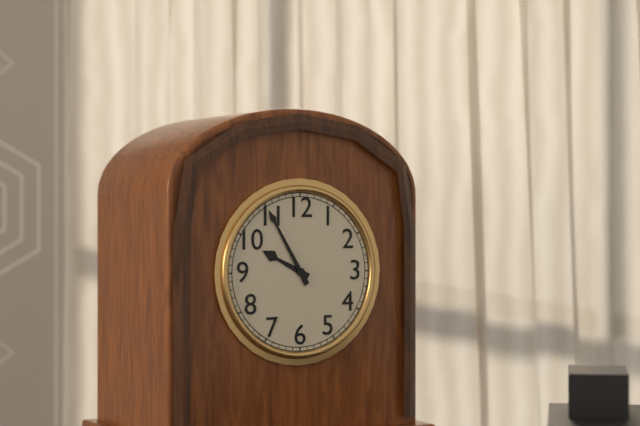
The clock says 9,55
